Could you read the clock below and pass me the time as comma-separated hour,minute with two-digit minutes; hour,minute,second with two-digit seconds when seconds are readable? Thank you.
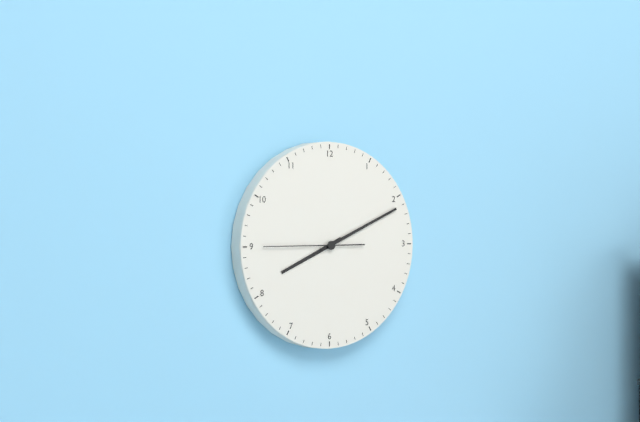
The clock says 8,11,45
